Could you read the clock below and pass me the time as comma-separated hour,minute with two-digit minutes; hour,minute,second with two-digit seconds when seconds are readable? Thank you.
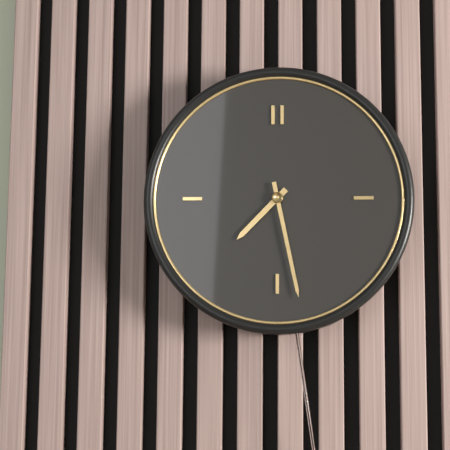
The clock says 7,28
